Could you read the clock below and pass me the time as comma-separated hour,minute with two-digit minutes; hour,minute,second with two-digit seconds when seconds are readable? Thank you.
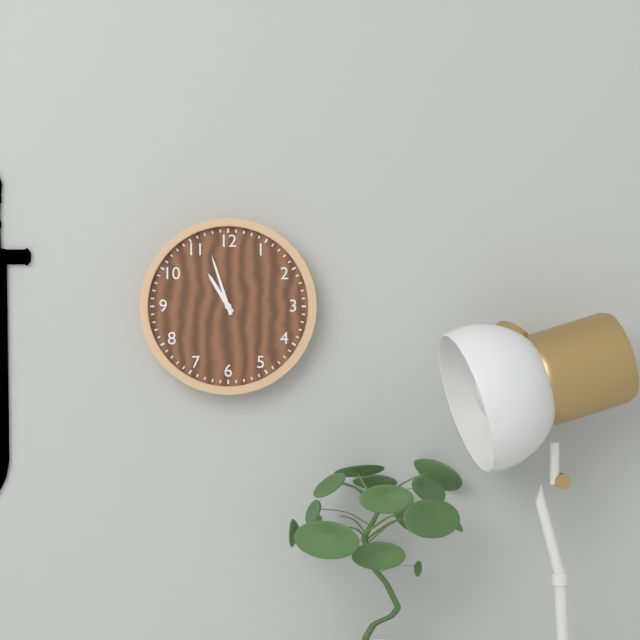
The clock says 10,57
